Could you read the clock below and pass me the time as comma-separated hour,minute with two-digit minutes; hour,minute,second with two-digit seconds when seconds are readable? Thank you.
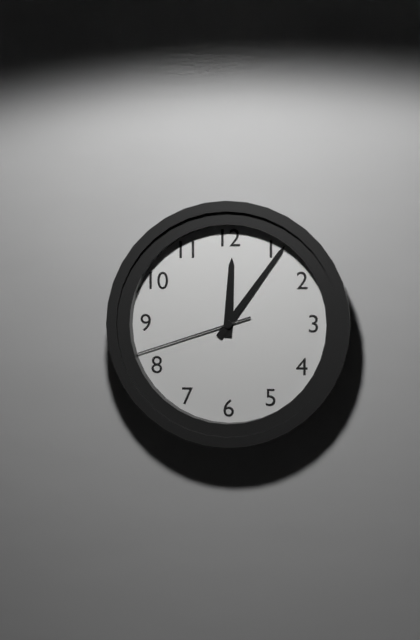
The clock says 12,06,42
